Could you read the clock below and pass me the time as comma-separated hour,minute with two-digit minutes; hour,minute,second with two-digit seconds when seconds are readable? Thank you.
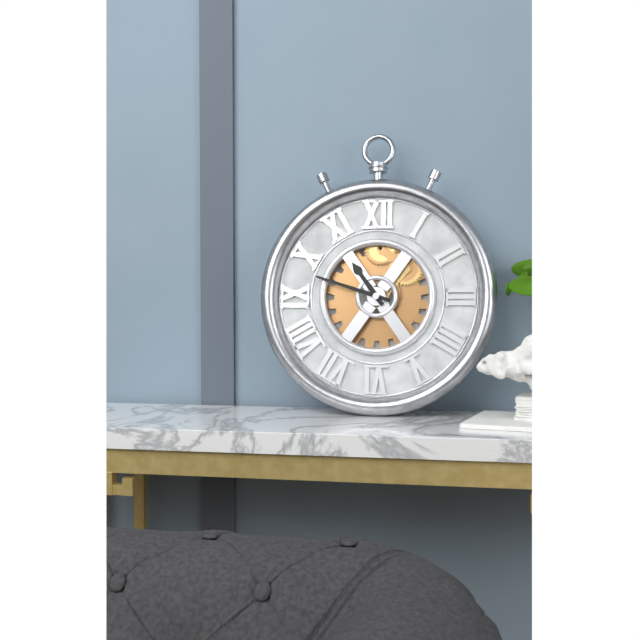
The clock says 10,48
